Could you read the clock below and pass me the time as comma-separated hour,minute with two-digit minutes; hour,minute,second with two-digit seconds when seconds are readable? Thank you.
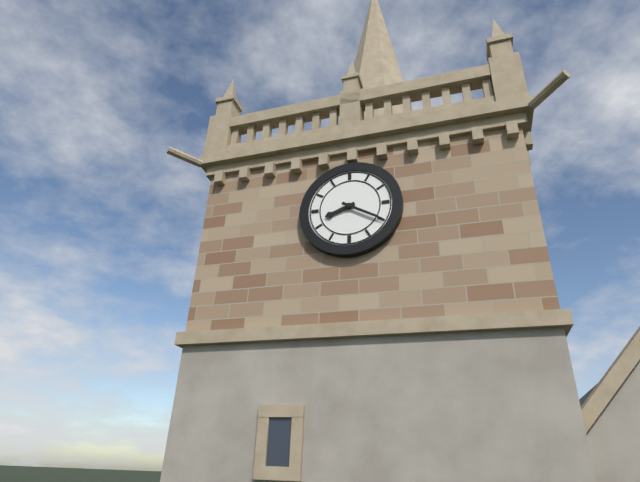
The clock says 8,20
